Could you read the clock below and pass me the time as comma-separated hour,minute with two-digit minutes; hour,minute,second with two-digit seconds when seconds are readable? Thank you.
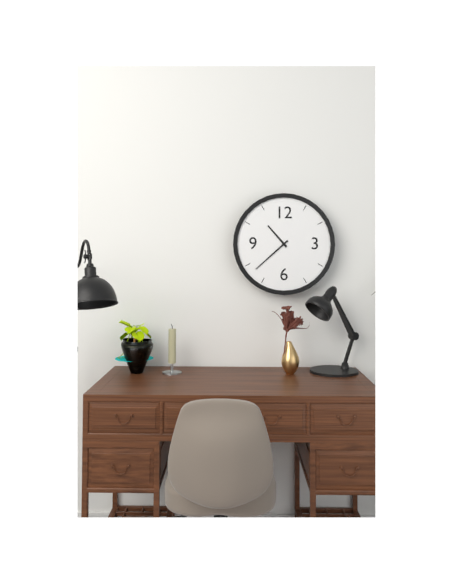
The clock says 10,38
